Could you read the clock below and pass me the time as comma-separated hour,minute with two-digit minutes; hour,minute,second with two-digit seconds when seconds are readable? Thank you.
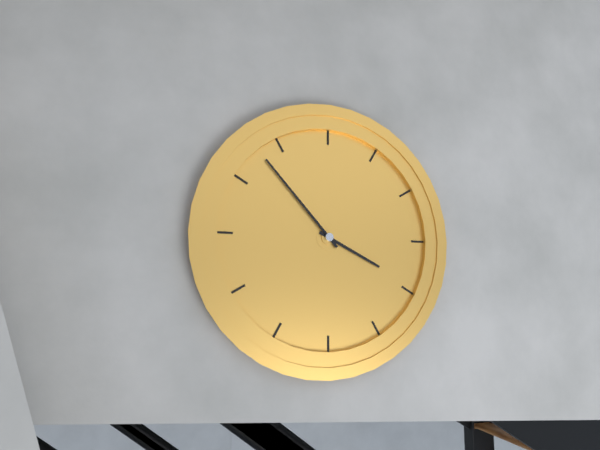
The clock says 3,53
